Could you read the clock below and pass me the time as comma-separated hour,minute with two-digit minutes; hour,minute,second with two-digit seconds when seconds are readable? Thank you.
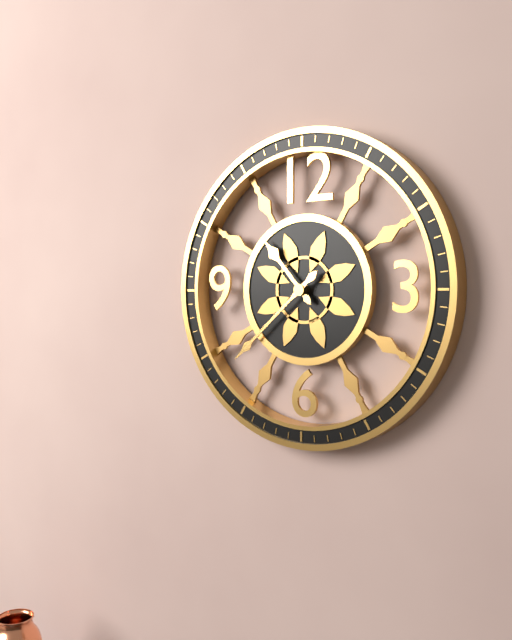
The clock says 10,38
